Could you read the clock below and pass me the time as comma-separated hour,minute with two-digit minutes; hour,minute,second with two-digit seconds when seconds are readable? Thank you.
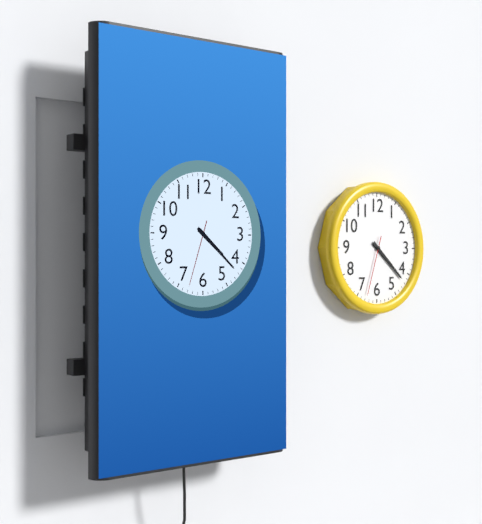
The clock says 4,22,33
